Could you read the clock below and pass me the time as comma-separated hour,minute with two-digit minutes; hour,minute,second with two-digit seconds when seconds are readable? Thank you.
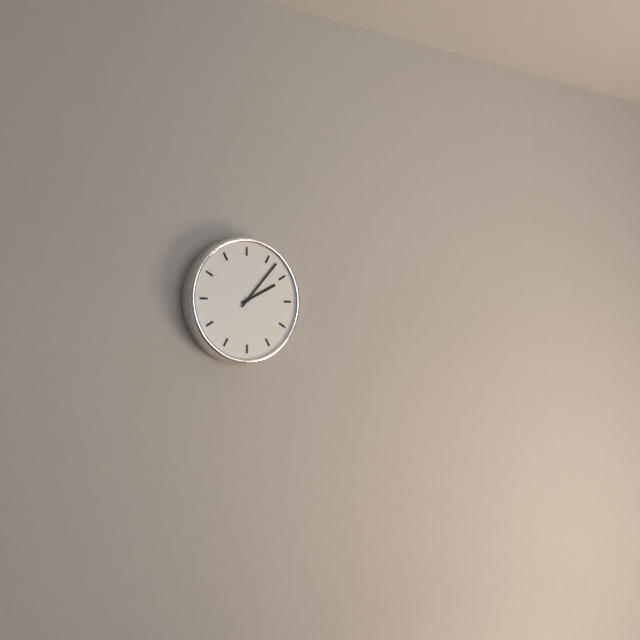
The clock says 2,07
